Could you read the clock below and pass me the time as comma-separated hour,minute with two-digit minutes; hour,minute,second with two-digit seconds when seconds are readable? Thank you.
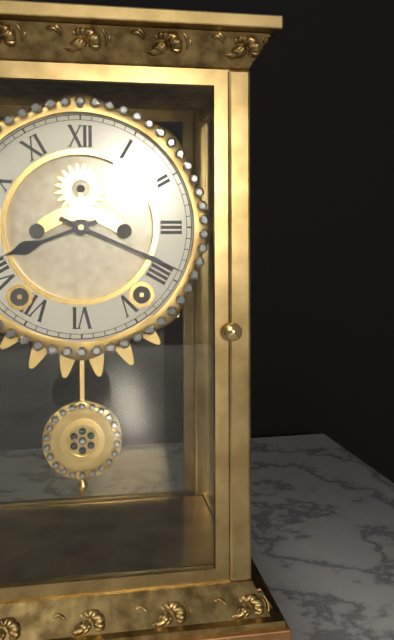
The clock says 8,19
